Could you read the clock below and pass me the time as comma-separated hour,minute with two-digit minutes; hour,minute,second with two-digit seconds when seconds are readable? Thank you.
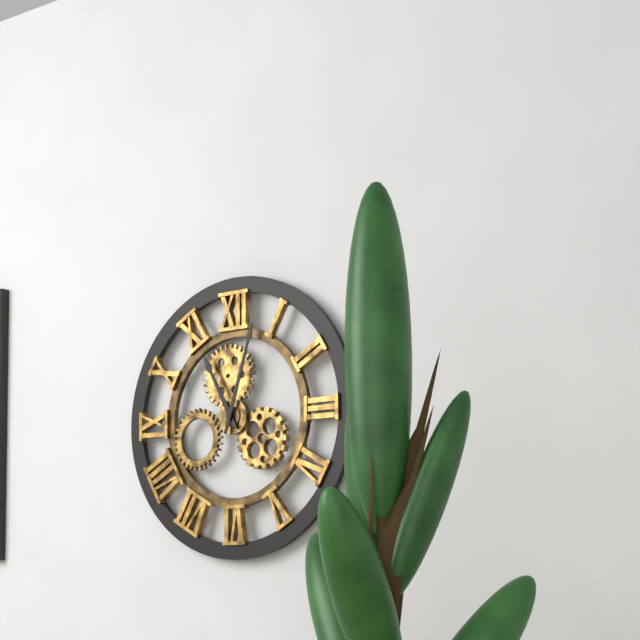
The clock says 11,03
